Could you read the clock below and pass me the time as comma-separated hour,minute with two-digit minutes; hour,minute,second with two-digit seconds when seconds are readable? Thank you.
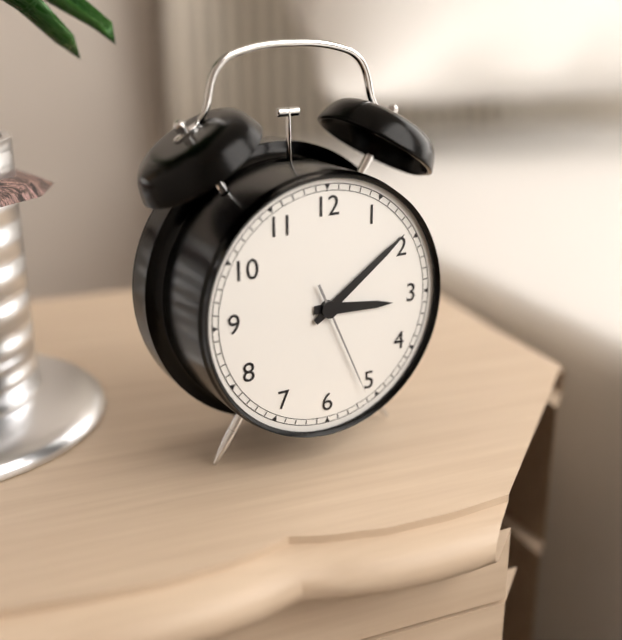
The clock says 3,09,26
